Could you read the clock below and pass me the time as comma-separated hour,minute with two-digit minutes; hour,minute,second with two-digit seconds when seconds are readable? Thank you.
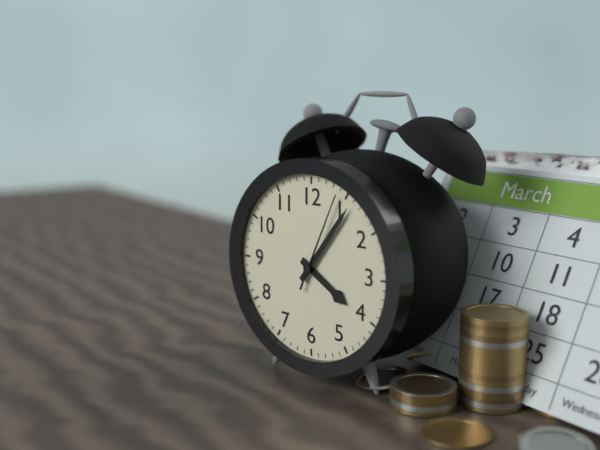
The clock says 4,06,04
